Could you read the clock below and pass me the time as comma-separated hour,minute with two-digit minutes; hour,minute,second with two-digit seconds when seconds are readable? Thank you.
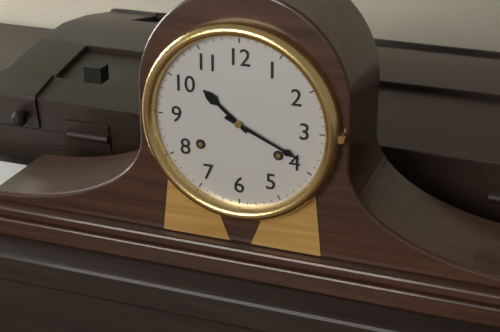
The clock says 10,19
